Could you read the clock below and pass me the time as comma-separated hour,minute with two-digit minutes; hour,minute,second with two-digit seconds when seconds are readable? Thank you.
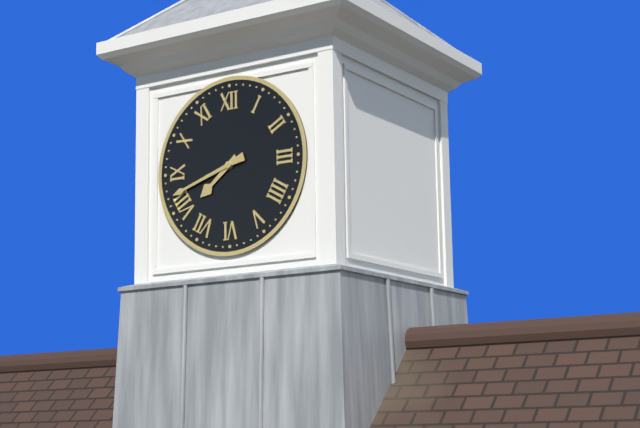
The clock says 7,42
